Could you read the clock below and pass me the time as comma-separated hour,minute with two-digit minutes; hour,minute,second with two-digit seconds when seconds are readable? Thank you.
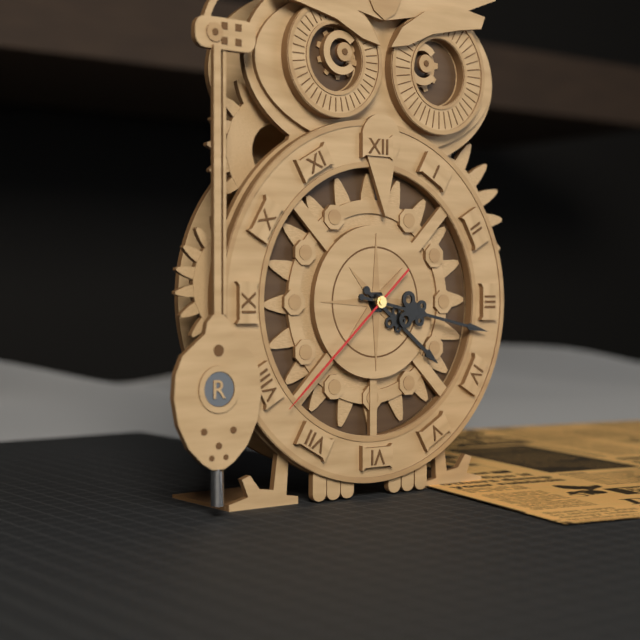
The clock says 4,17,38
